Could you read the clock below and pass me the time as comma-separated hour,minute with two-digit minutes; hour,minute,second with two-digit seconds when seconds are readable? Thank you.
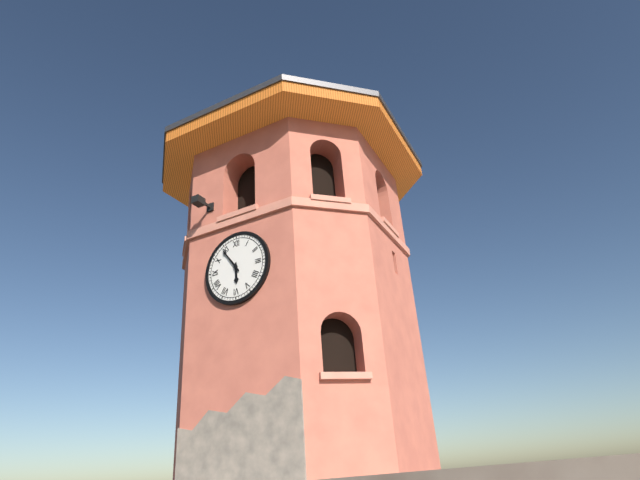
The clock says 5,54
